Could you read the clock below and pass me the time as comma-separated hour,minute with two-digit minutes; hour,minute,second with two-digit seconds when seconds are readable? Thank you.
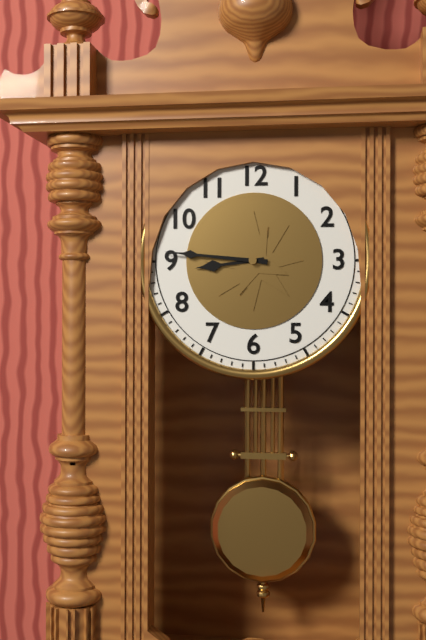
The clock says 8,46
